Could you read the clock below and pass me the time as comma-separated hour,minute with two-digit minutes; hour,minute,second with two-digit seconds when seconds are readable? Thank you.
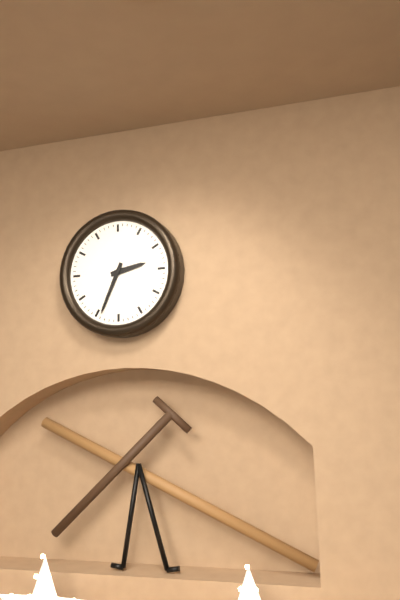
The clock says 2,34
